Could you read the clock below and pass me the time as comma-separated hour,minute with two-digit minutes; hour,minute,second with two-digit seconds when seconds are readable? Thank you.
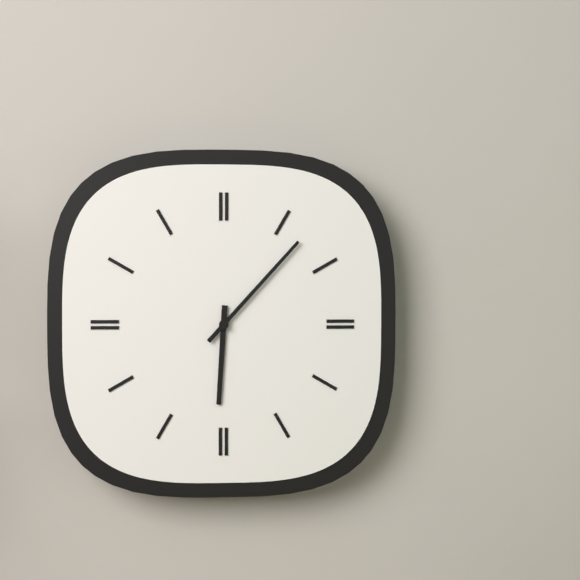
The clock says 6,07
